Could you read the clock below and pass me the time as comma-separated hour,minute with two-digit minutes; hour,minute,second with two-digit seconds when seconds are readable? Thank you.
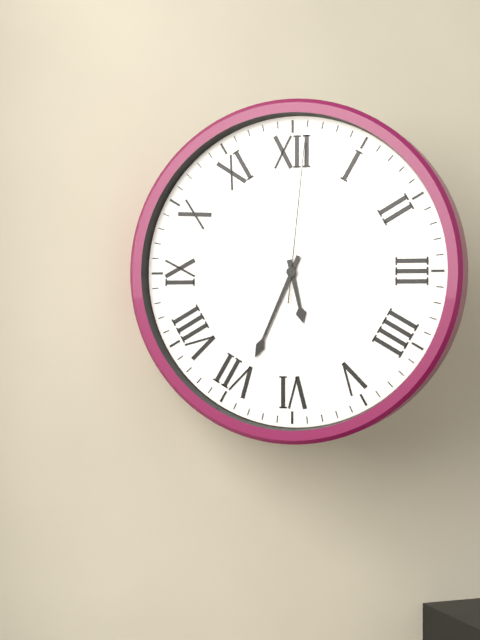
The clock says 5,34,01
